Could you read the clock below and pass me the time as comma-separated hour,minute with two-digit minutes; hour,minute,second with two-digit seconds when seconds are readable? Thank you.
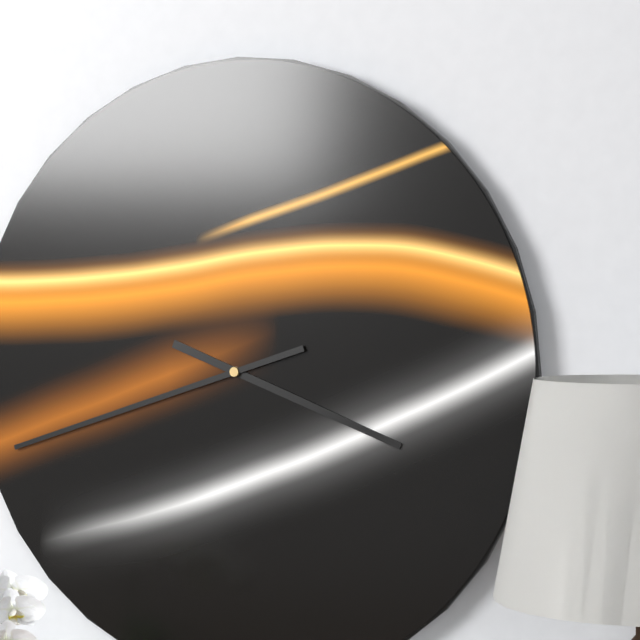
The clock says 3,42
